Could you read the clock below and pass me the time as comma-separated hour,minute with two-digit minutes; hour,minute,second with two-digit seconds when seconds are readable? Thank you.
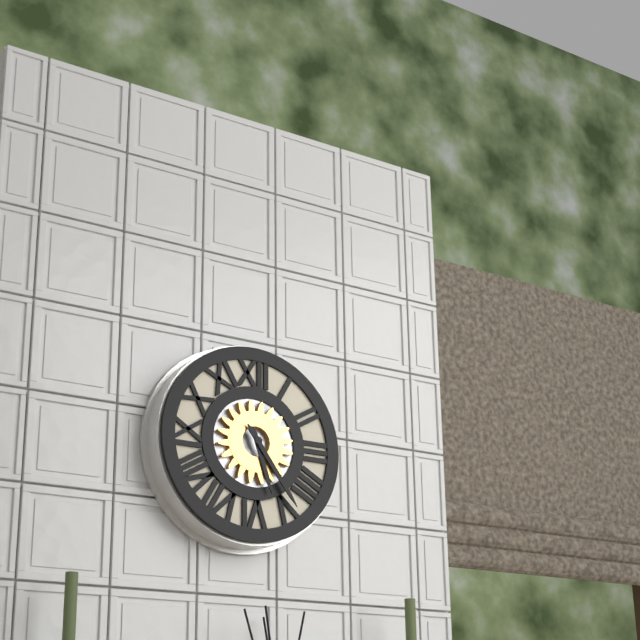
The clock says 5,24
